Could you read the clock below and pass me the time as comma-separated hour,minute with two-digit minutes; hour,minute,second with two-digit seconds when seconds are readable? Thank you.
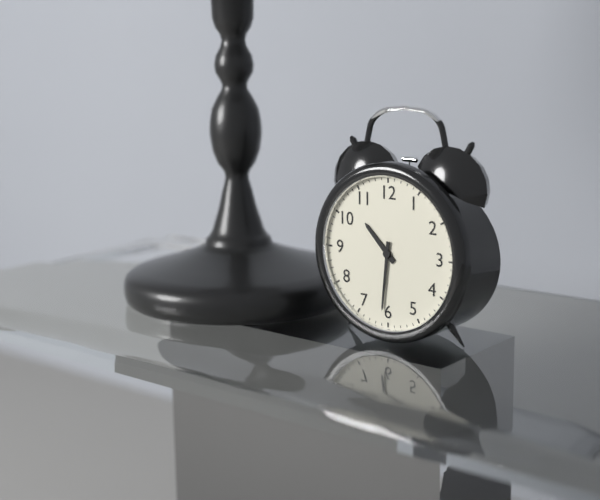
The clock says 10,31
